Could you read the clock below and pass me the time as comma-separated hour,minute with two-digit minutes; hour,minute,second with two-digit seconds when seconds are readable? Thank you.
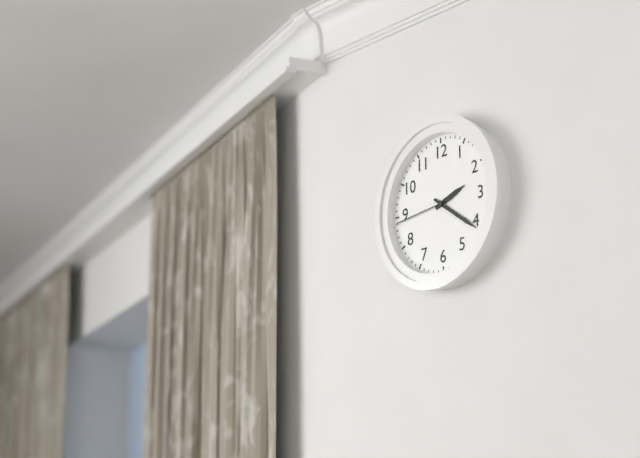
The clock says 2,21,44
